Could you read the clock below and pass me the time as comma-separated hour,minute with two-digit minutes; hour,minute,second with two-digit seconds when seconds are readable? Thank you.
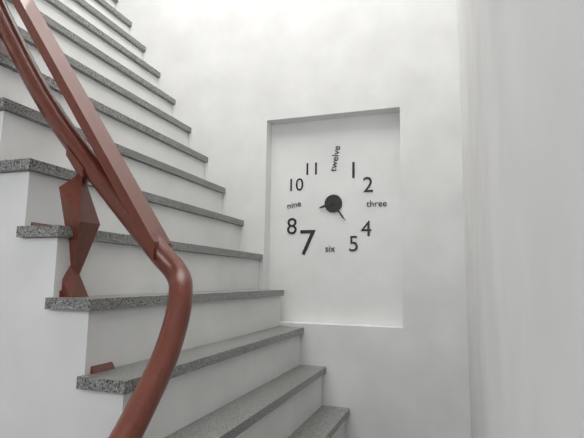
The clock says 8,24
